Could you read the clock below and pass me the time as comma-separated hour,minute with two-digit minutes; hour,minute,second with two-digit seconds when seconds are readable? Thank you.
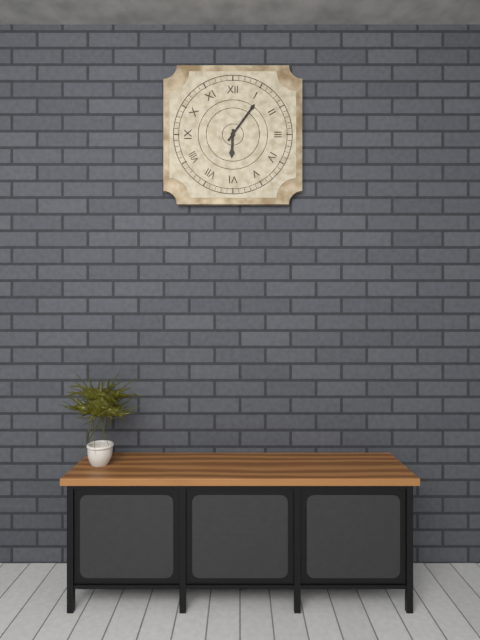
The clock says 6,06
